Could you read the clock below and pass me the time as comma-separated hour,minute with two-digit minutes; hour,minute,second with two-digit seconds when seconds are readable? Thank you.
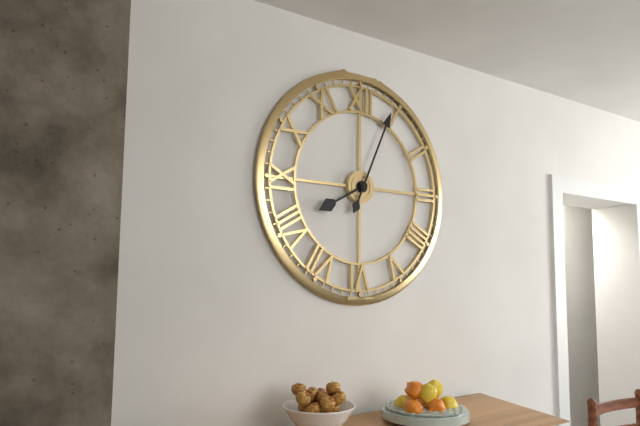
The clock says 8,04
